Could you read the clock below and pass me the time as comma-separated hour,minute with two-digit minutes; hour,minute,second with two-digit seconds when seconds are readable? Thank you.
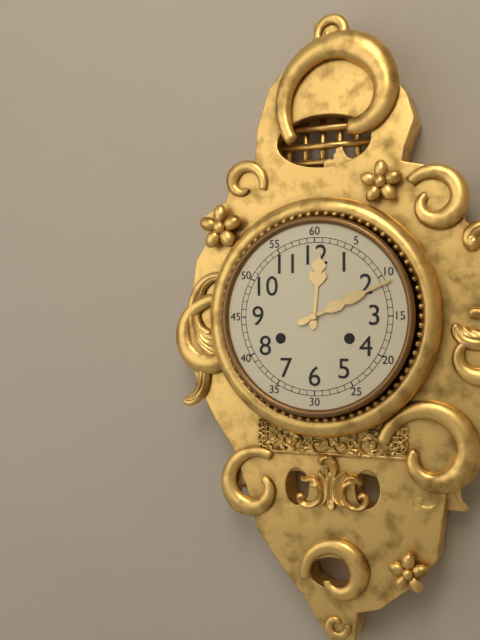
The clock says 12,11
